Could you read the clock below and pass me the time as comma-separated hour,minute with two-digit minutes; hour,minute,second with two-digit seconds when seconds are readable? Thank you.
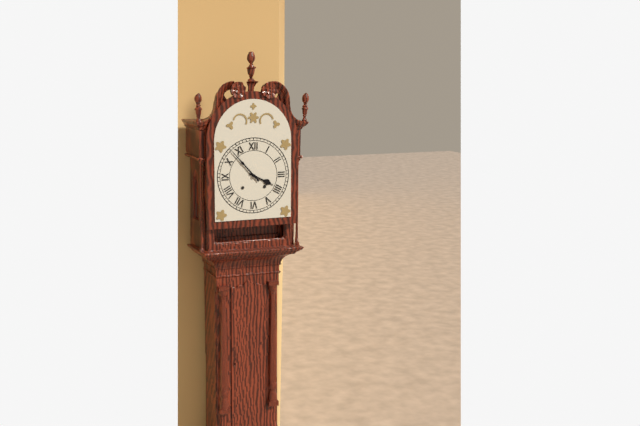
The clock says 3,53
